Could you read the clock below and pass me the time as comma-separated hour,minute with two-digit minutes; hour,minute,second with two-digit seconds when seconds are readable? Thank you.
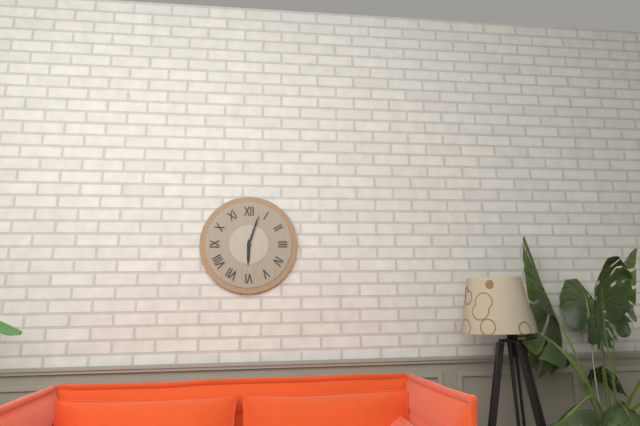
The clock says 6,03
